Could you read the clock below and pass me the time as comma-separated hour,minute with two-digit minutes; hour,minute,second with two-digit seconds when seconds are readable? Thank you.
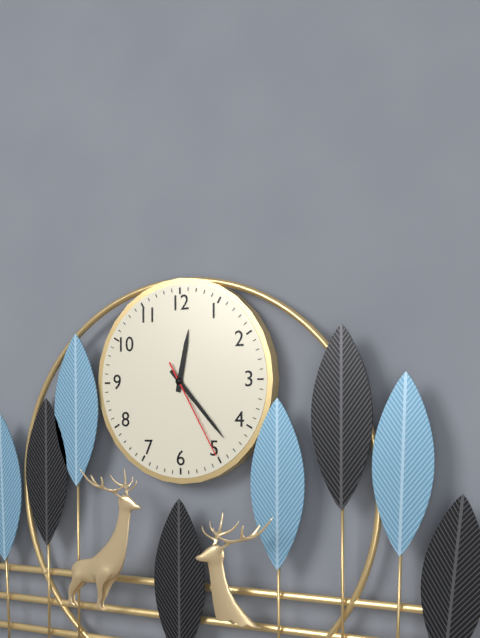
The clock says 12,23,25
